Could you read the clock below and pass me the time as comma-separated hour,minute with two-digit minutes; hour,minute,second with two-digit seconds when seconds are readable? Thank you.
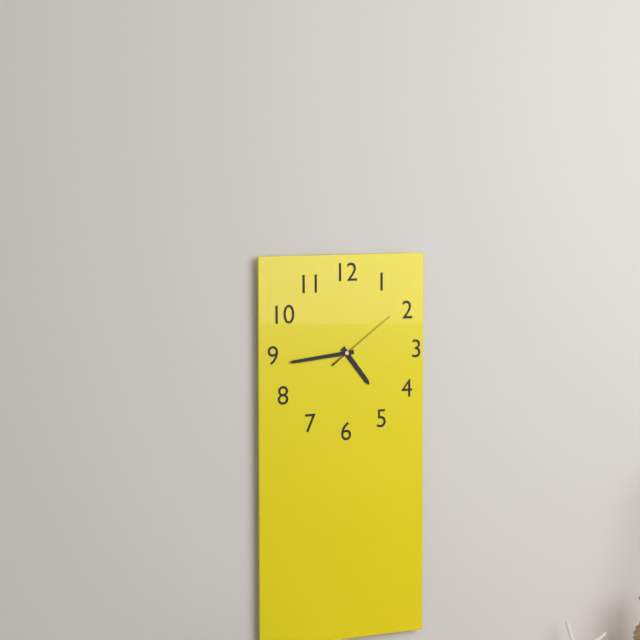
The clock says 4,44,09
